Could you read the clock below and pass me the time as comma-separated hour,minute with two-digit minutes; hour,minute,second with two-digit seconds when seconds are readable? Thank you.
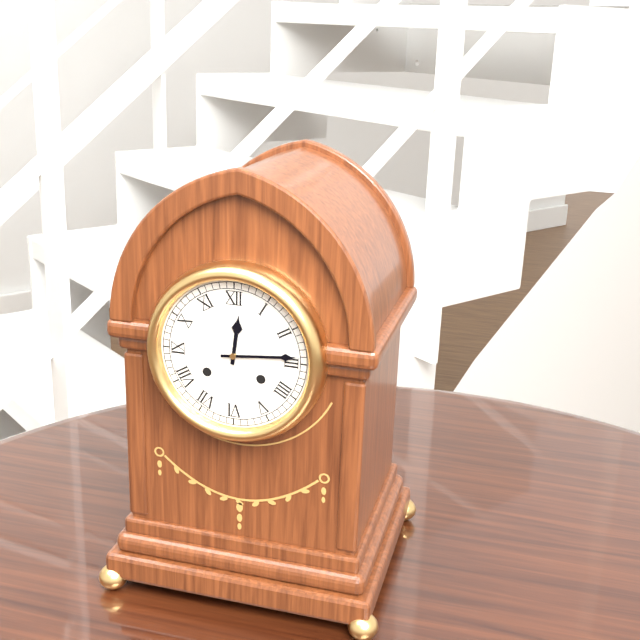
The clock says 12,14
